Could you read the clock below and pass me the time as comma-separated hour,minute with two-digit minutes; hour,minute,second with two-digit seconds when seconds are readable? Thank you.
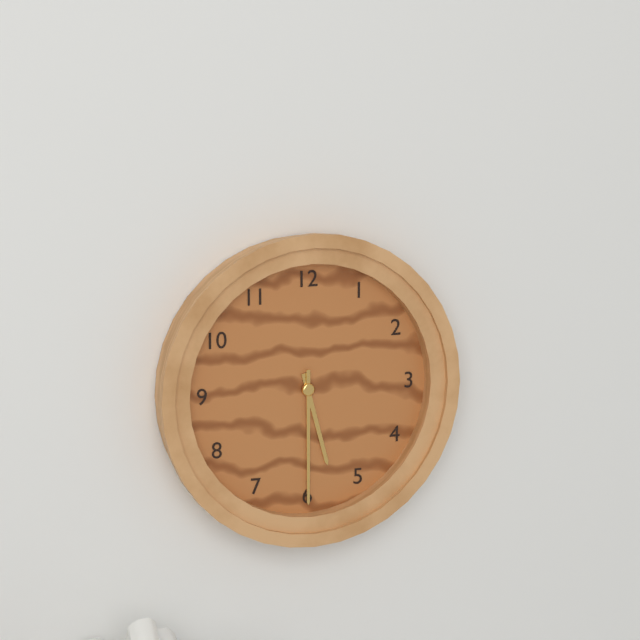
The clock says 5,30
